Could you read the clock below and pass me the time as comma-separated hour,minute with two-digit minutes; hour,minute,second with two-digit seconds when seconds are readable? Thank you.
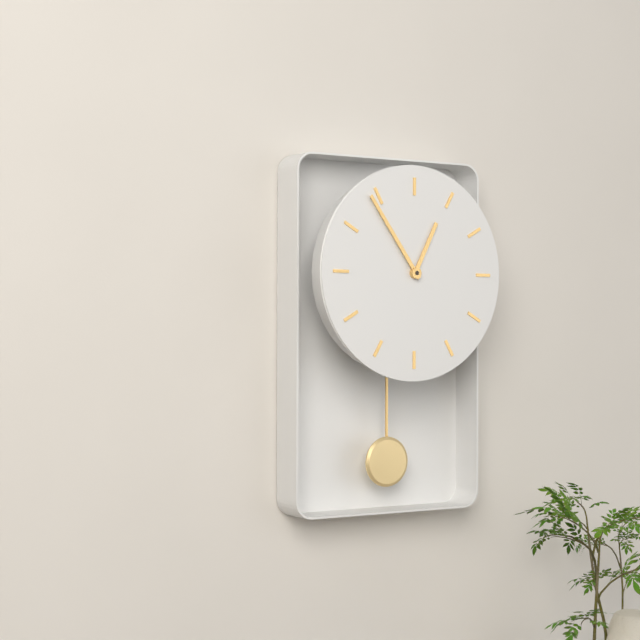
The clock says 12,54
